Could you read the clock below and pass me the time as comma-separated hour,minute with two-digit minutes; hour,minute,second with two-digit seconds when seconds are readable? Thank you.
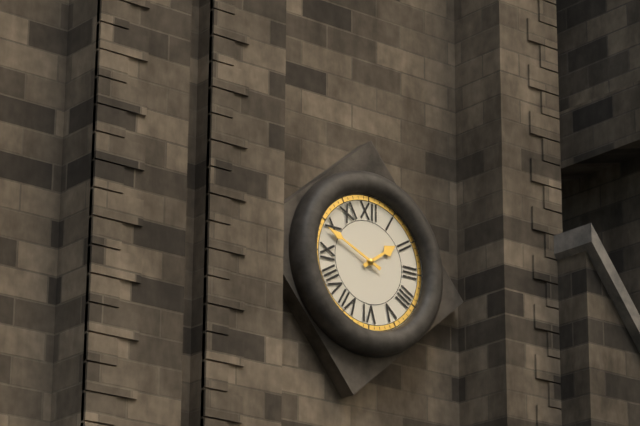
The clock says 1,49
